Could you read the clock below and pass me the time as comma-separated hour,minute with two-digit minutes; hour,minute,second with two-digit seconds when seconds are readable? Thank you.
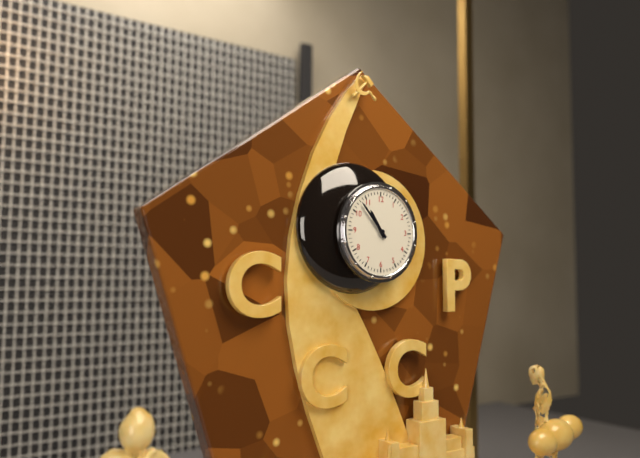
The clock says 10,53
